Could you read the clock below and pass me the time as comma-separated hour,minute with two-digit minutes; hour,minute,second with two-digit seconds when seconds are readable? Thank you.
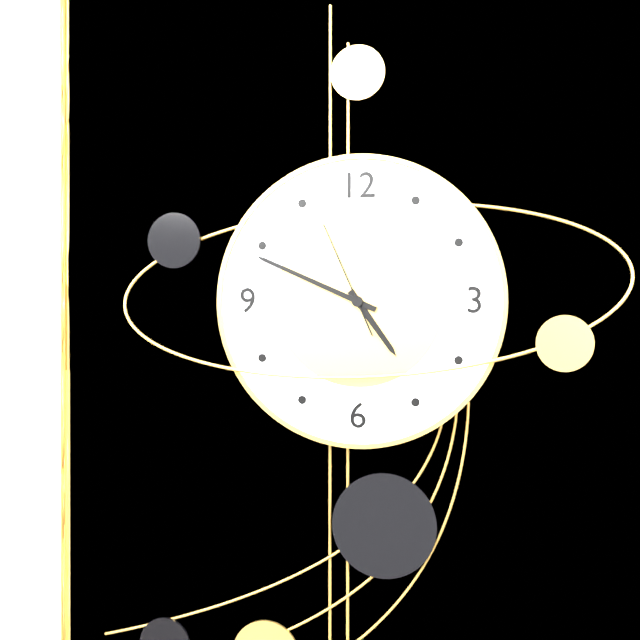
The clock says 4,49,56
